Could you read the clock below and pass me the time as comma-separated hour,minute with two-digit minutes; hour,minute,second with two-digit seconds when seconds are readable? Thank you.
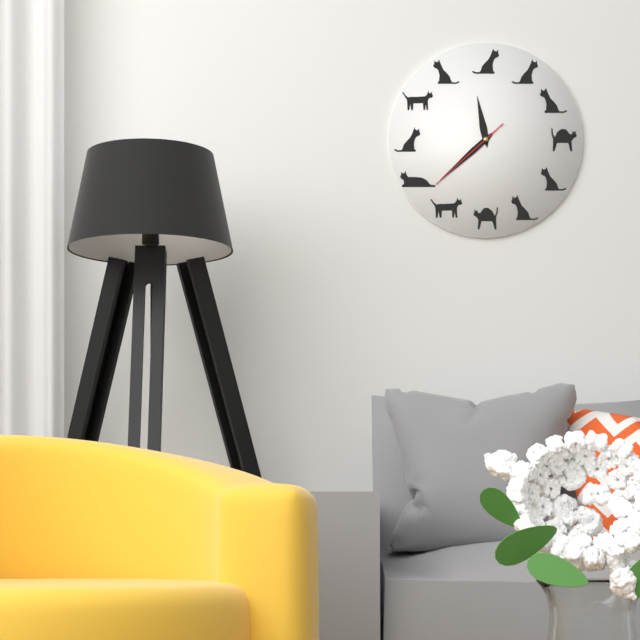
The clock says 11,38,38
